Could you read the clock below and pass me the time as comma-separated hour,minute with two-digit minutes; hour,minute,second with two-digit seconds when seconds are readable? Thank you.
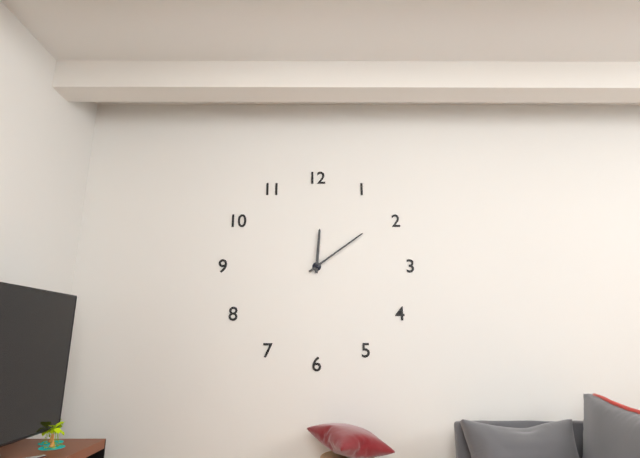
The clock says 12,09
